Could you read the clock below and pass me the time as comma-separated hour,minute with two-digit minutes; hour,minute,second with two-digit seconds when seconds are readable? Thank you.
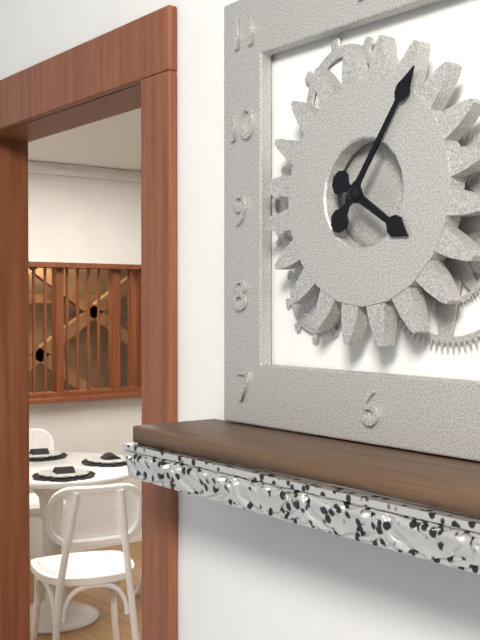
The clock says 4,06
